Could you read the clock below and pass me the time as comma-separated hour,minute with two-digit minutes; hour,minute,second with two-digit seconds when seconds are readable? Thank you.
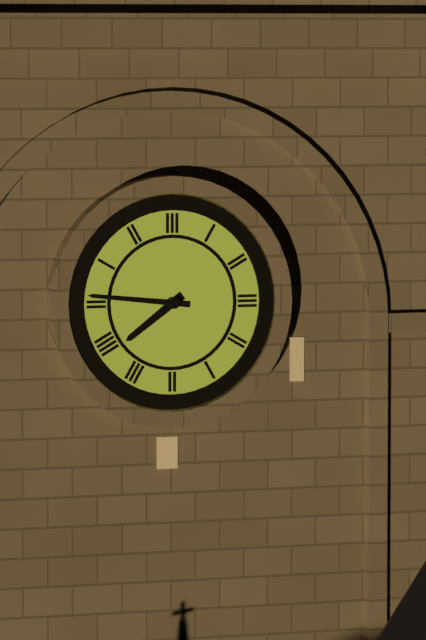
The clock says 7,46
